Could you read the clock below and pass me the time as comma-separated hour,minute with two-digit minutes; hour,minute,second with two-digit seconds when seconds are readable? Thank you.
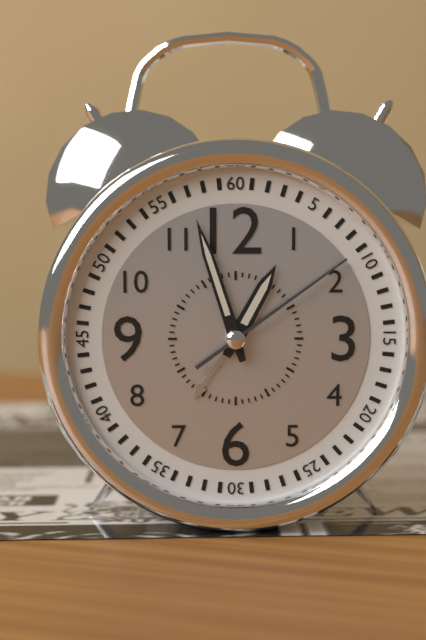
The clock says 12,57,09
